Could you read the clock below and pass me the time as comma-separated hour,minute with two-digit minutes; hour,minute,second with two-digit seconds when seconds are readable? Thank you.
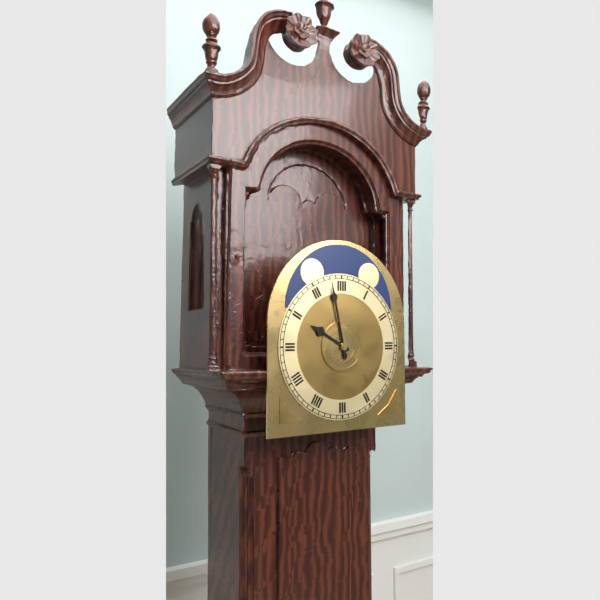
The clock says 9,58
